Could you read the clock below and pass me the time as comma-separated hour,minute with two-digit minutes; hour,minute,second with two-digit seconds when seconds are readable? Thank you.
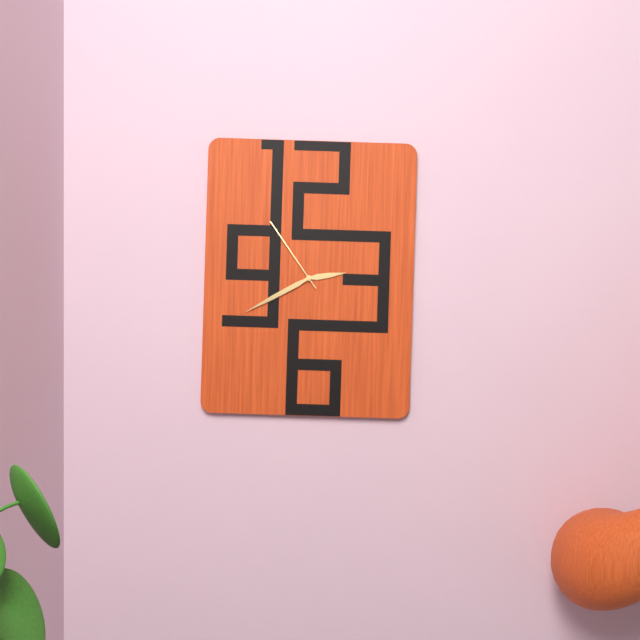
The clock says 2,40,54
